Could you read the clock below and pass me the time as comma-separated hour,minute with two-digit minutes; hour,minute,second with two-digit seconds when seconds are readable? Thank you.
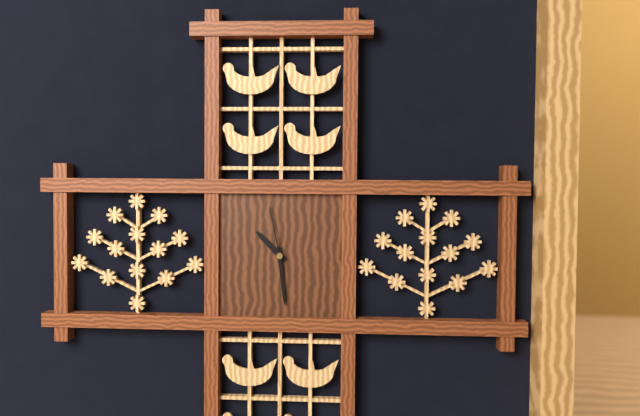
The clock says 10,29,58
